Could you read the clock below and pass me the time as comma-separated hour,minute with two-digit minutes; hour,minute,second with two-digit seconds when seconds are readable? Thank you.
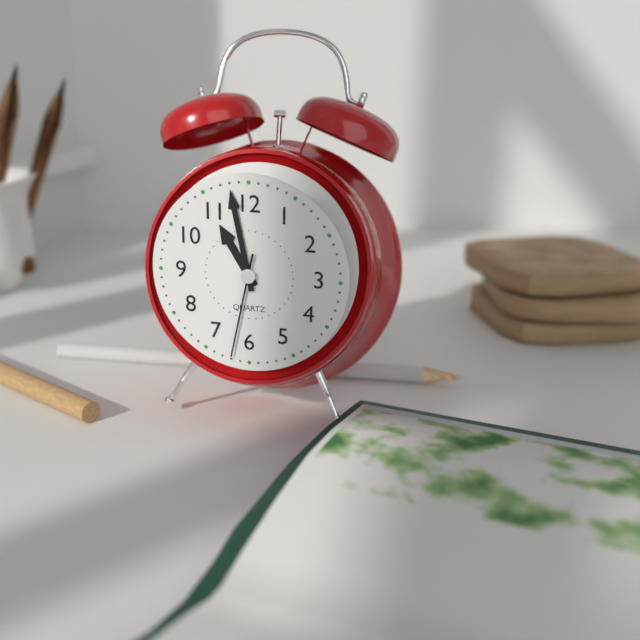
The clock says 10,58,32
